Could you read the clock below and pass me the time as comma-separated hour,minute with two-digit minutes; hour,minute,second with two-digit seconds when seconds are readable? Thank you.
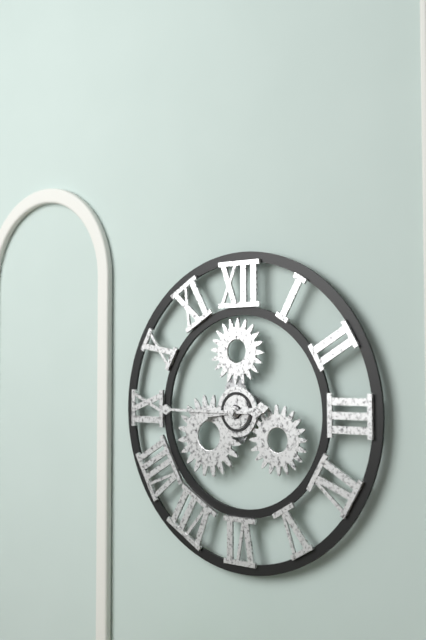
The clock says 8,45
